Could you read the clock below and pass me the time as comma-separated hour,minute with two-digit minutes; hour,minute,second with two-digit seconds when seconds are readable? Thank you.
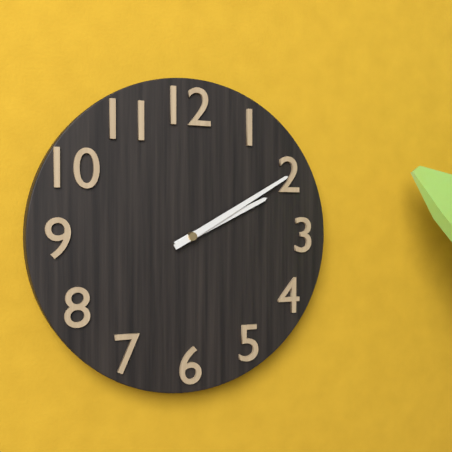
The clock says 2,10
